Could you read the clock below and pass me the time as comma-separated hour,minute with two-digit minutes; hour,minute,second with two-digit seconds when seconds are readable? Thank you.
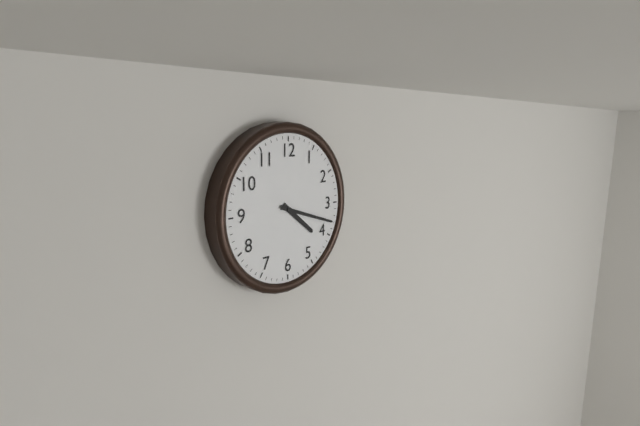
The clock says 4,18
